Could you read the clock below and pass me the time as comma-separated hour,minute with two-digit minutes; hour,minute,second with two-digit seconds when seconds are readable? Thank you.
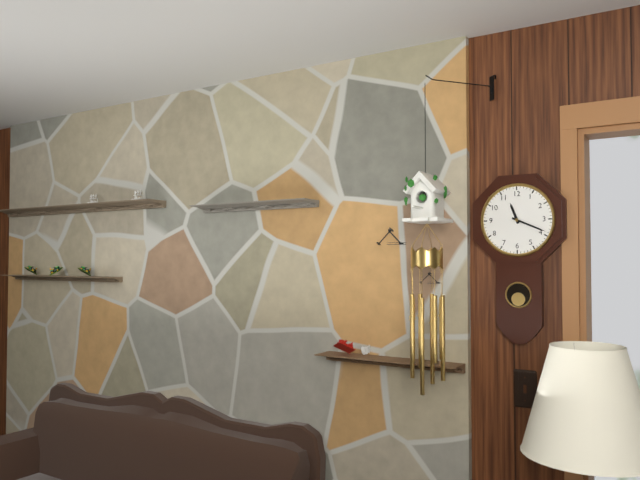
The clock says 11,19
